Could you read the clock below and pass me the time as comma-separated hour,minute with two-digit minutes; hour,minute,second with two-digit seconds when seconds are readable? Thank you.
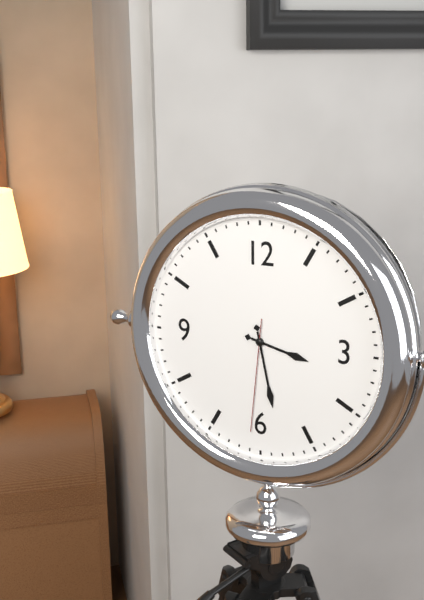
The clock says 3,28,31
